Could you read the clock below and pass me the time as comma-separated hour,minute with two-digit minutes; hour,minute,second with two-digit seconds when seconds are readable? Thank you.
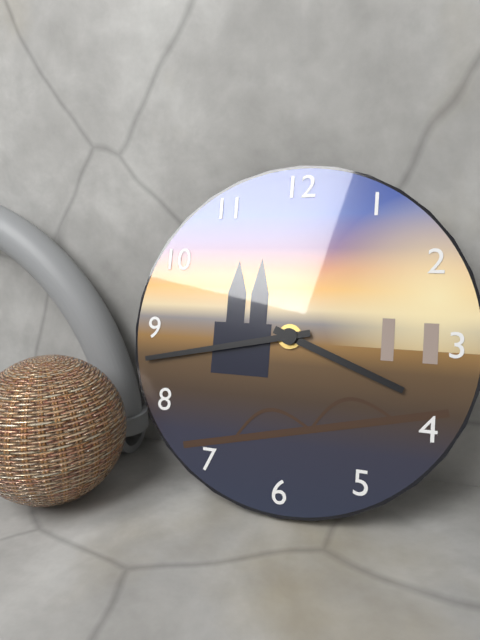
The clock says 3,43
